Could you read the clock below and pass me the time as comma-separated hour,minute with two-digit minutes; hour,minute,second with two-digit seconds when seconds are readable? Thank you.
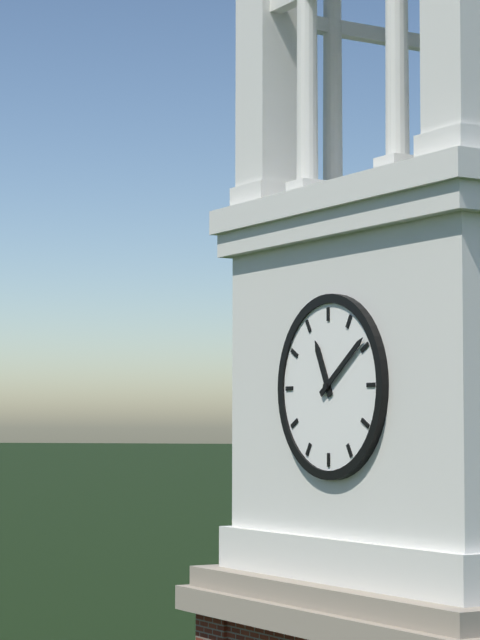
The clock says 11,09
